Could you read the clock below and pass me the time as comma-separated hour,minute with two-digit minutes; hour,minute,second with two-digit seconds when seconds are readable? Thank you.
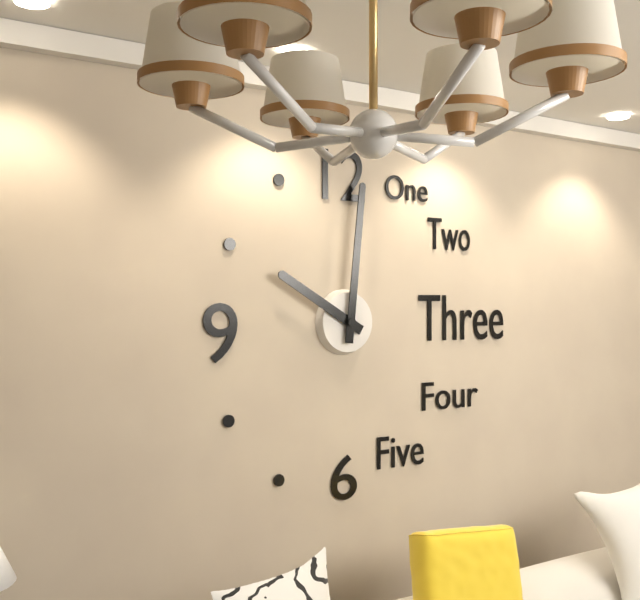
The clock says 10,01
